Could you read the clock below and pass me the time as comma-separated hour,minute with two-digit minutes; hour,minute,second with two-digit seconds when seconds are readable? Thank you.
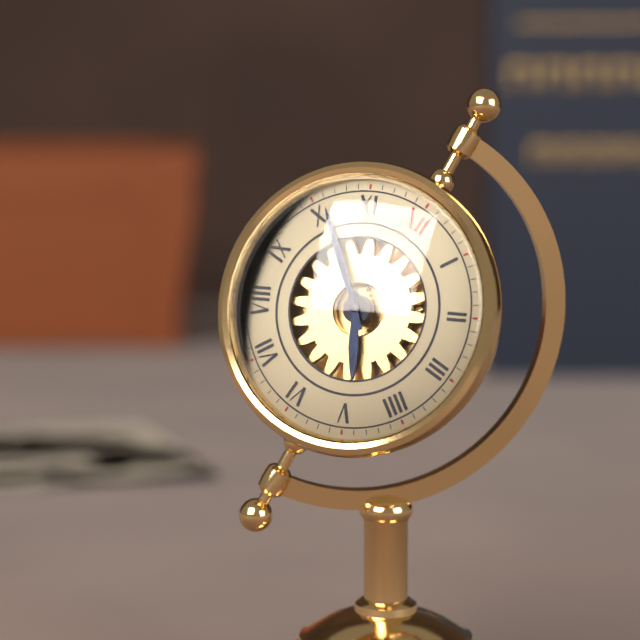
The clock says 4,51
